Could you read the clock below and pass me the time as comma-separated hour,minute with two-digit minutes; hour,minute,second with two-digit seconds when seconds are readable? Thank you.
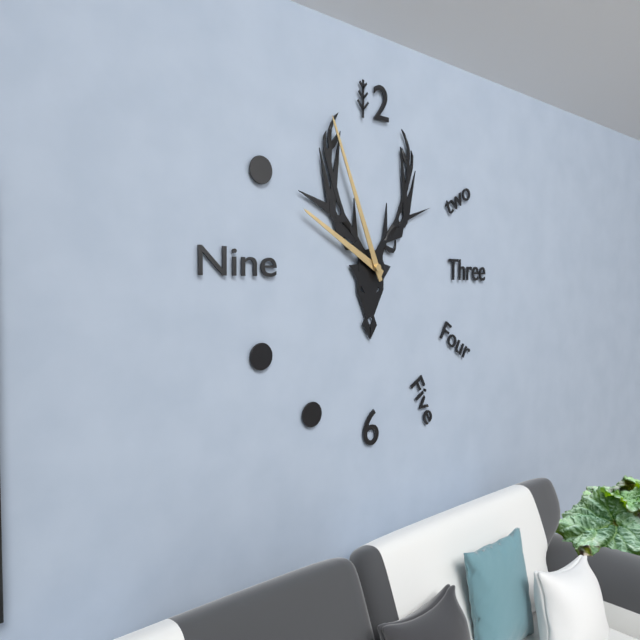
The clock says 9,56
